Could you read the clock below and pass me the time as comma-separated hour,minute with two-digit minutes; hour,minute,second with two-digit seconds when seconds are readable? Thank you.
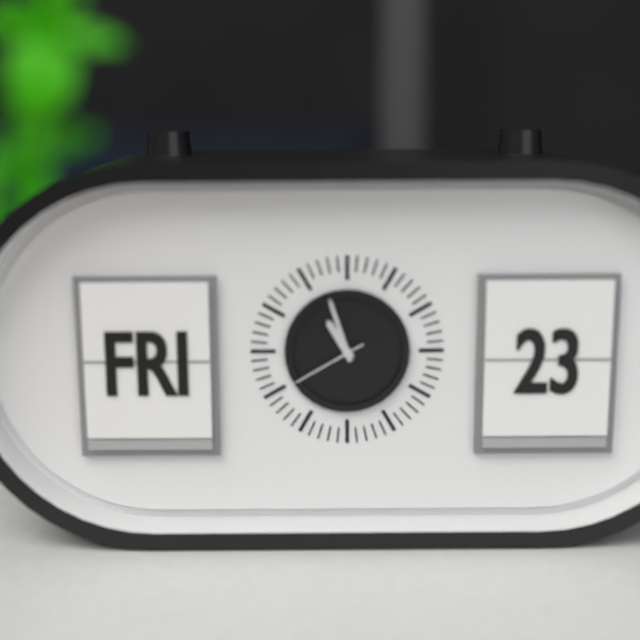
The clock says 10,57,40
